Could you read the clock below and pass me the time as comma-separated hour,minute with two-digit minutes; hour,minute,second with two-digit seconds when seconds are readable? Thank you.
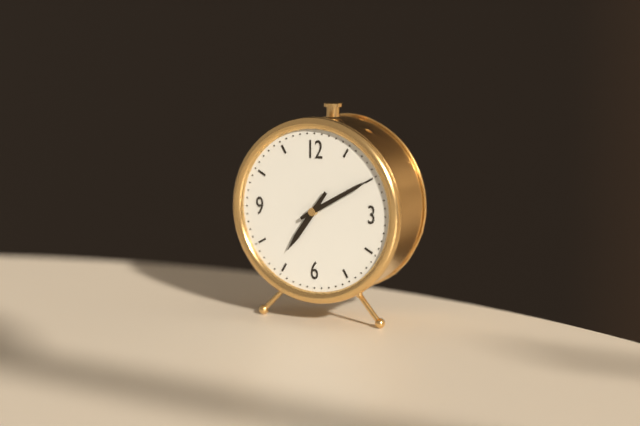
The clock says 7,10
